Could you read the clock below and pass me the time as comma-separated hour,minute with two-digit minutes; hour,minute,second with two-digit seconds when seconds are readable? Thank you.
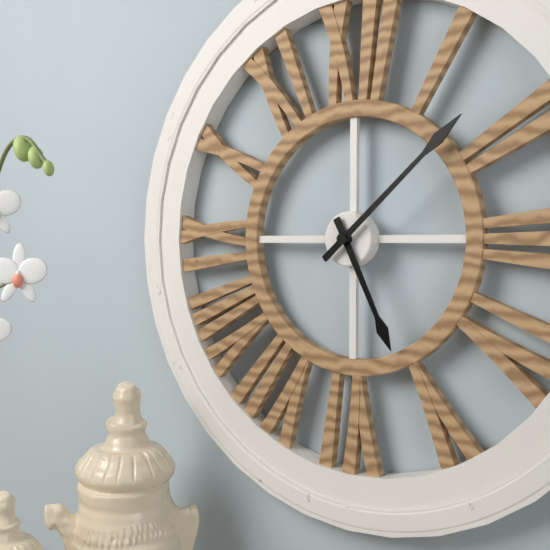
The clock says 5,08
